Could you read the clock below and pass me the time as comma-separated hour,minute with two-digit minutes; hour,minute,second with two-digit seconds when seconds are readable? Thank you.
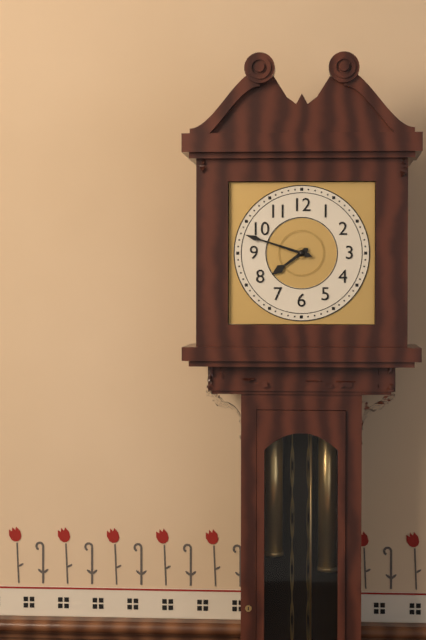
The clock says 7,48
